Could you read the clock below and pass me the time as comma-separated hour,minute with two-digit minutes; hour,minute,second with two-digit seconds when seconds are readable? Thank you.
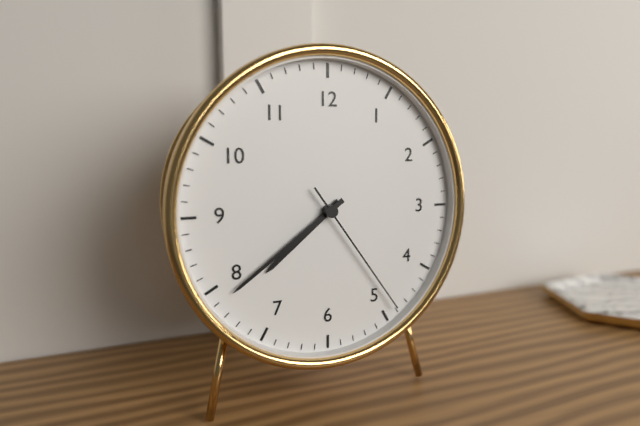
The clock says 7,39,24
